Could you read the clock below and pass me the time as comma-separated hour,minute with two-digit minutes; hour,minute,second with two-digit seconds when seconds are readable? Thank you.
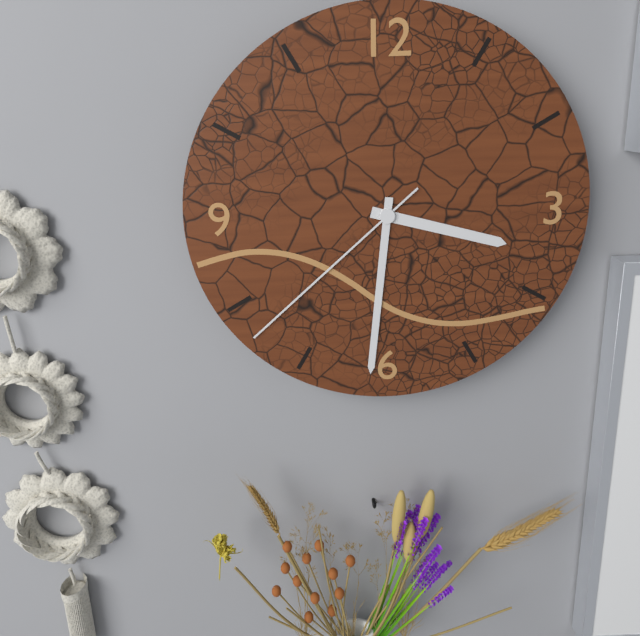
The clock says 3,31,38
